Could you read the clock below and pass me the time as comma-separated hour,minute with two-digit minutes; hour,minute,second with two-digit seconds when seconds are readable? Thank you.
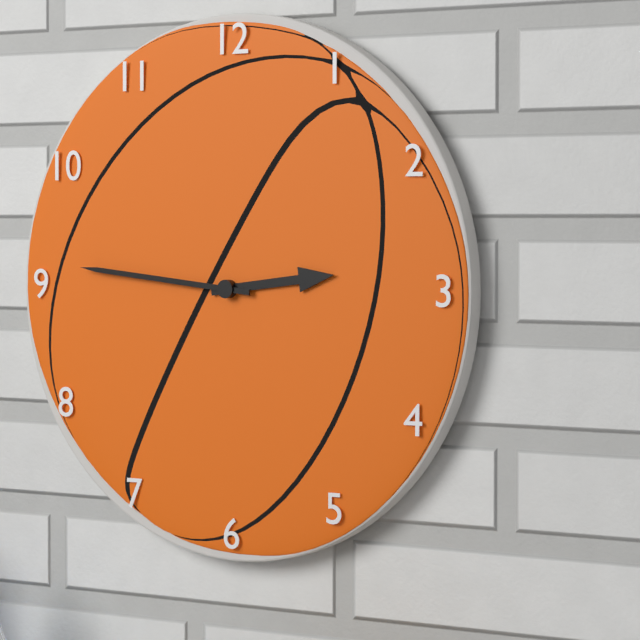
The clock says 2,46
